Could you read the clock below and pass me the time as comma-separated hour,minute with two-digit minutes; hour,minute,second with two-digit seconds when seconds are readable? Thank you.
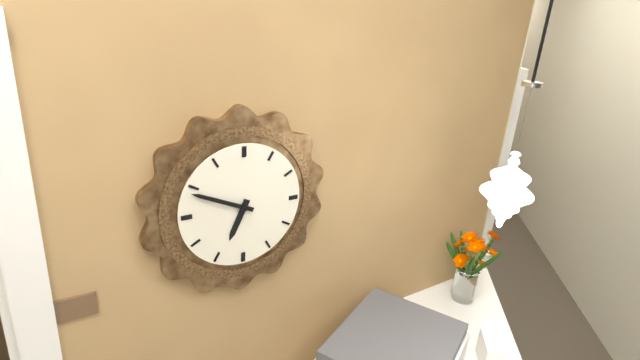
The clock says 6,49
